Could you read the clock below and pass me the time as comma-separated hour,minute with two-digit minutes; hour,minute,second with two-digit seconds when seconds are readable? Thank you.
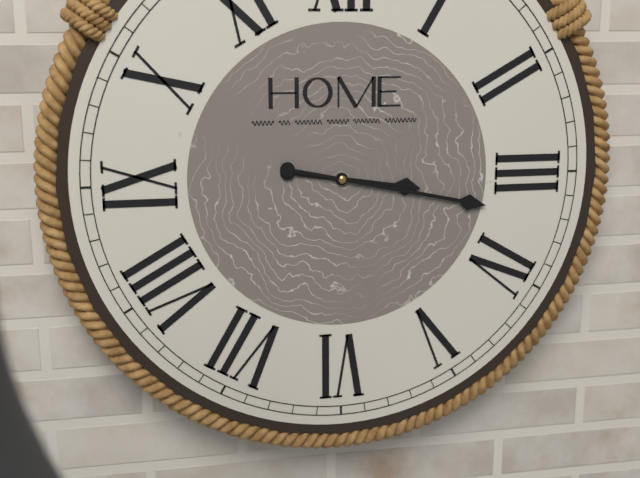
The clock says 3,17
